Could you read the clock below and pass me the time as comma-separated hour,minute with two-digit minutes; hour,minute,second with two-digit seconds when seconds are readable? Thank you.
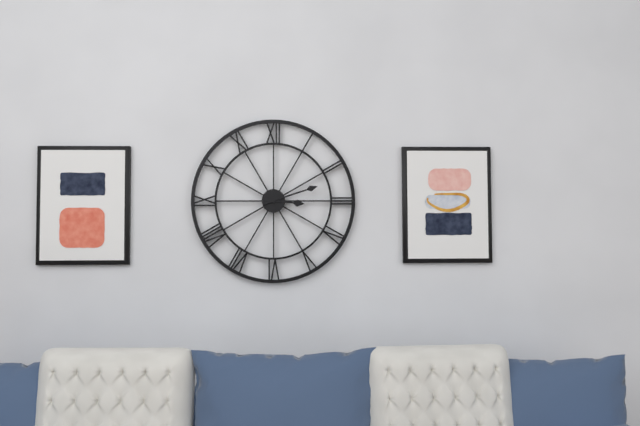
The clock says 3,12
